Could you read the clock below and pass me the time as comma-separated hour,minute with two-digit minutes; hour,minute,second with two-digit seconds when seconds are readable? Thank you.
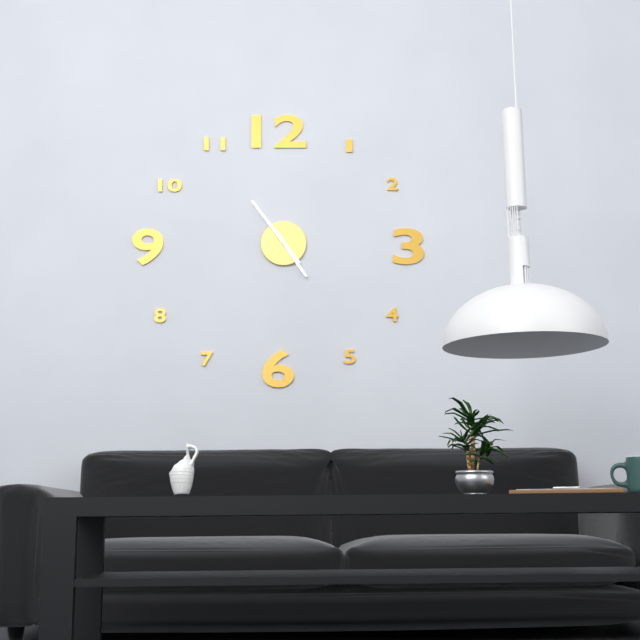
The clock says 4,54
